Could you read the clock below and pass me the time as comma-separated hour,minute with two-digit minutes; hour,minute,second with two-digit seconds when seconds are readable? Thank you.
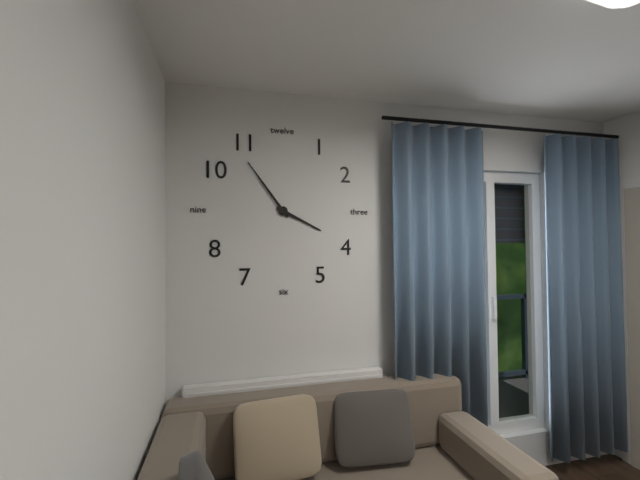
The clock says 3,54
